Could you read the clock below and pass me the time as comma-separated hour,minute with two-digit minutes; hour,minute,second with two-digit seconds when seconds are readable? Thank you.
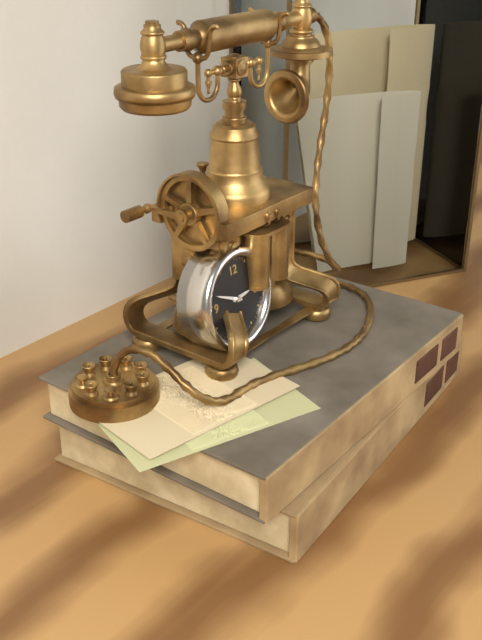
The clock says 2,49
